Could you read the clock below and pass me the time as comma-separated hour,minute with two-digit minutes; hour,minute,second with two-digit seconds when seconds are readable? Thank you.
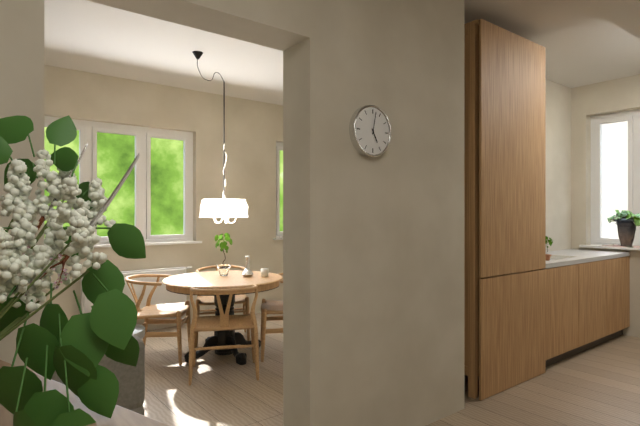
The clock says 5,02
